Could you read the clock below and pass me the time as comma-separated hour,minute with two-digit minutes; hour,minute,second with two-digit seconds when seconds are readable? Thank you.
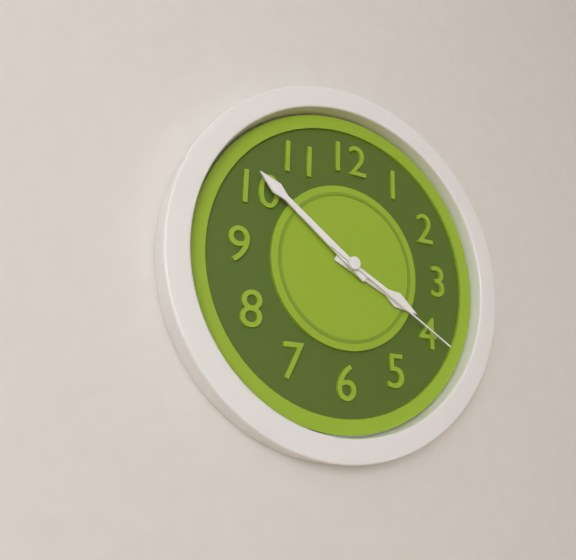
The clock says 3,51,20
